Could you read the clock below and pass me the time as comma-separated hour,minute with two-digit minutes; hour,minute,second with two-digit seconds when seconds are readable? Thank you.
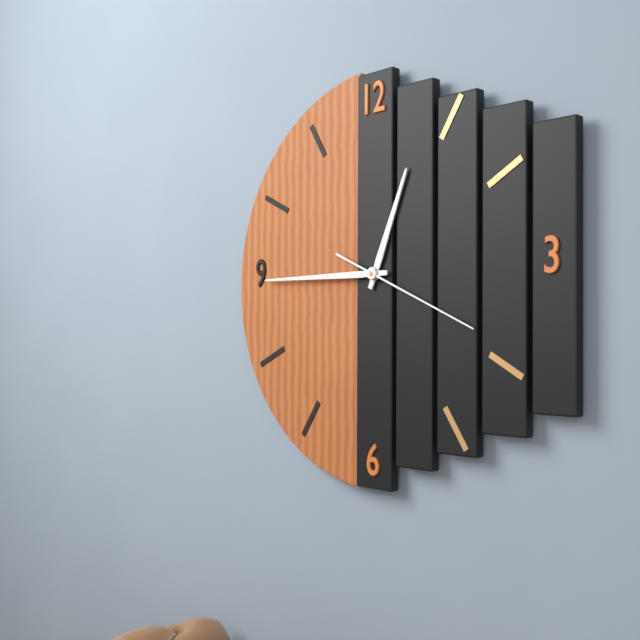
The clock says 12,45,19
